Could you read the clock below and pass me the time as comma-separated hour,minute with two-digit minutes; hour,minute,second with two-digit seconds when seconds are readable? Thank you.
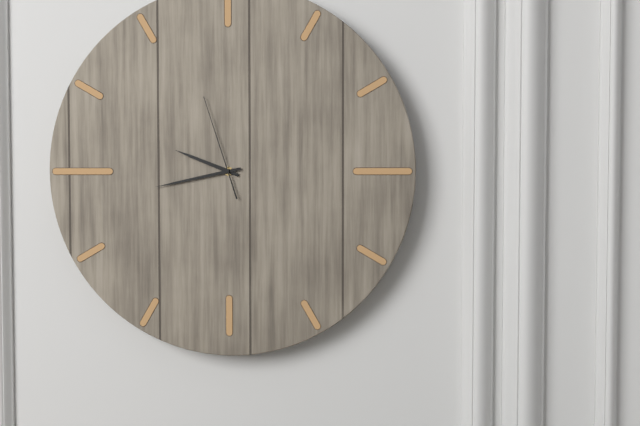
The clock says 9,43,57
